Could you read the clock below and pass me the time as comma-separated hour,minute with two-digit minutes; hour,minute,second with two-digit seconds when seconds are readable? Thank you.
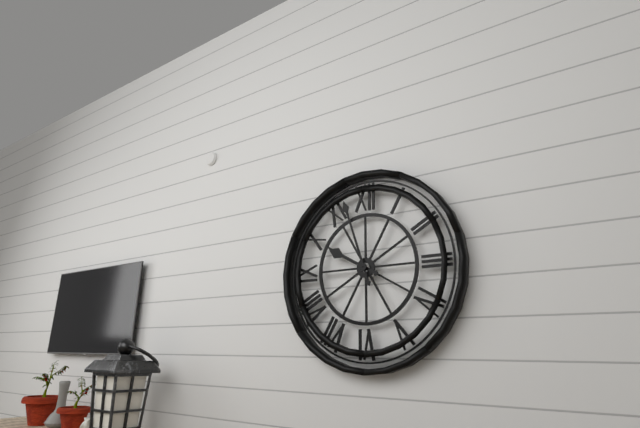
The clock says 9,57
